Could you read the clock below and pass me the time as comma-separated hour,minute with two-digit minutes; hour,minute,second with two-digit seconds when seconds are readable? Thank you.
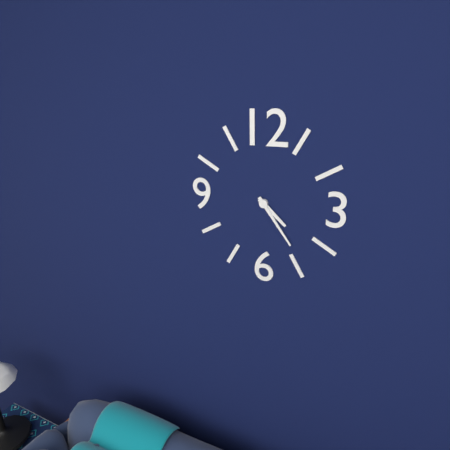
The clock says 4,24
